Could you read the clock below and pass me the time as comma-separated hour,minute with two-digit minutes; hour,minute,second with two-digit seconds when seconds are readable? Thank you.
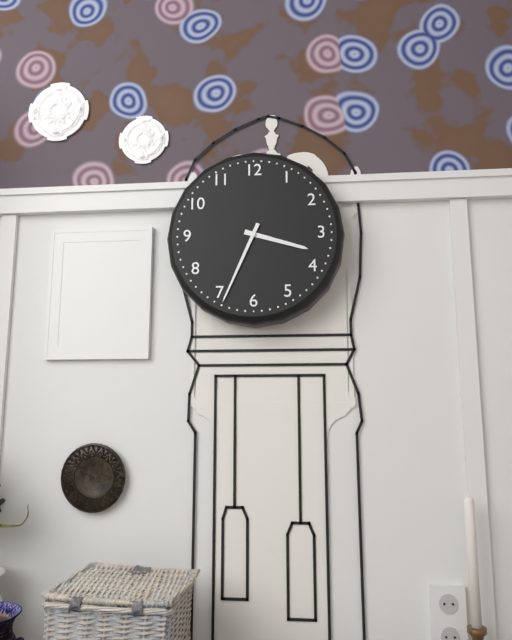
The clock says 3,34
